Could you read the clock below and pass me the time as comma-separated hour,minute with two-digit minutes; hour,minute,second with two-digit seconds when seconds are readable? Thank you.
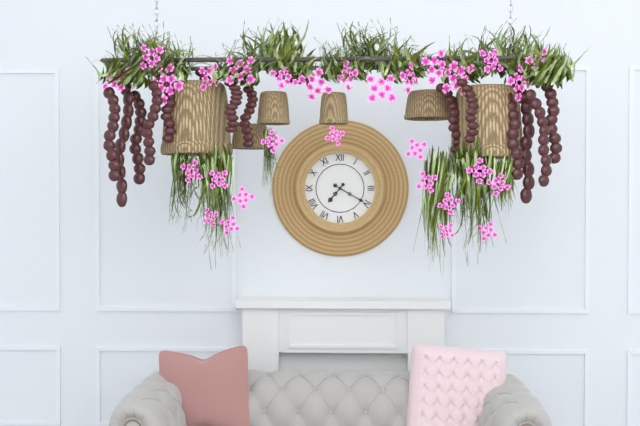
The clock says 7,20
